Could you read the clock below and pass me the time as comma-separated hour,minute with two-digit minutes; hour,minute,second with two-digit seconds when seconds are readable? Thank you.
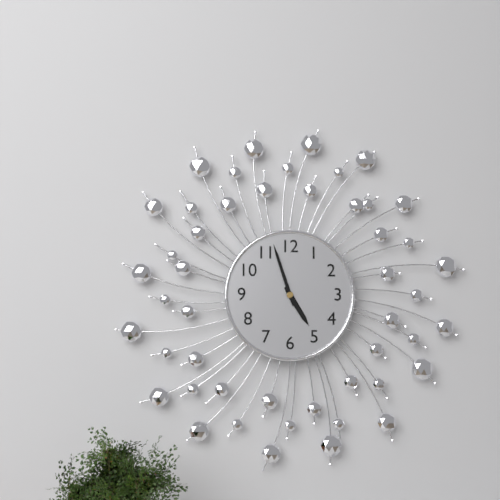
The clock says 4,57
